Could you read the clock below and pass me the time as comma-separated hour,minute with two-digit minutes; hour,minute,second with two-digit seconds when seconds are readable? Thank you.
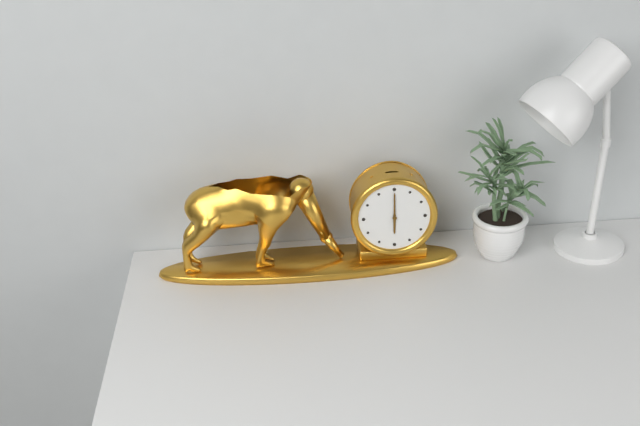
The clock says 6,00
